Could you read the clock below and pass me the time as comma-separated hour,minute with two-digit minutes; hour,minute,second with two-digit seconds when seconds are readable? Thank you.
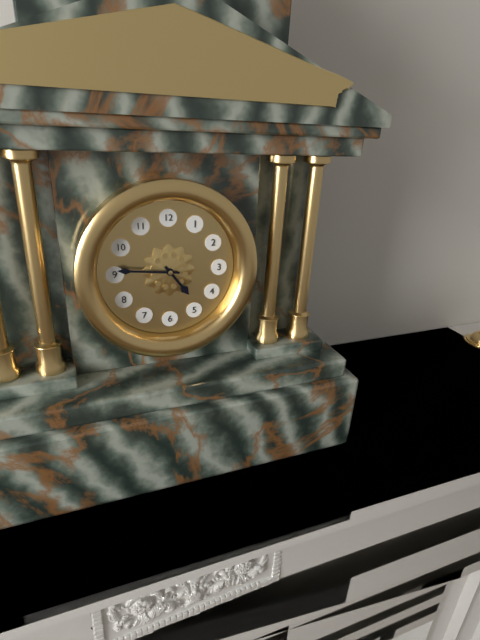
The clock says 4,46
